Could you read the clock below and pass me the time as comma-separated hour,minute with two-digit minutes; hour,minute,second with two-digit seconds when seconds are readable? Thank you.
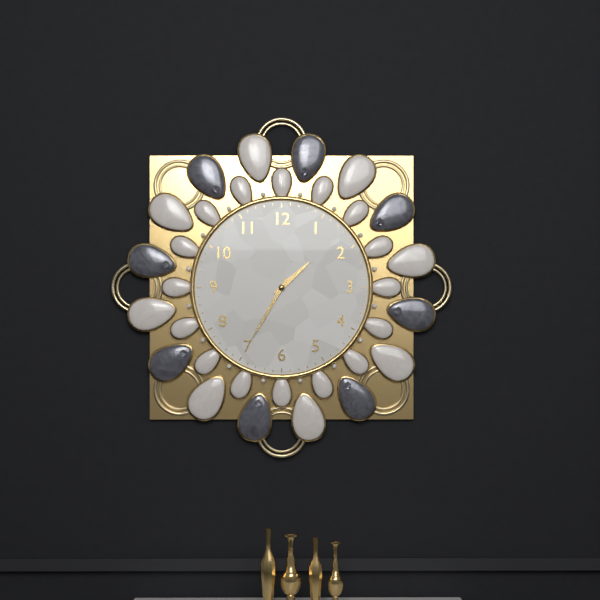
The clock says 1,35
